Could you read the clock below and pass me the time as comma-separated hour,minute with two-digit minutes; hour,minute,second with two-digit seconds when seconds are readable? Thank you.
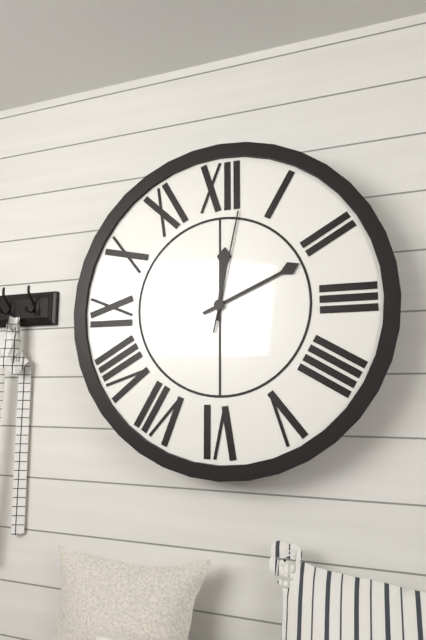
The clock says 12,11,02
